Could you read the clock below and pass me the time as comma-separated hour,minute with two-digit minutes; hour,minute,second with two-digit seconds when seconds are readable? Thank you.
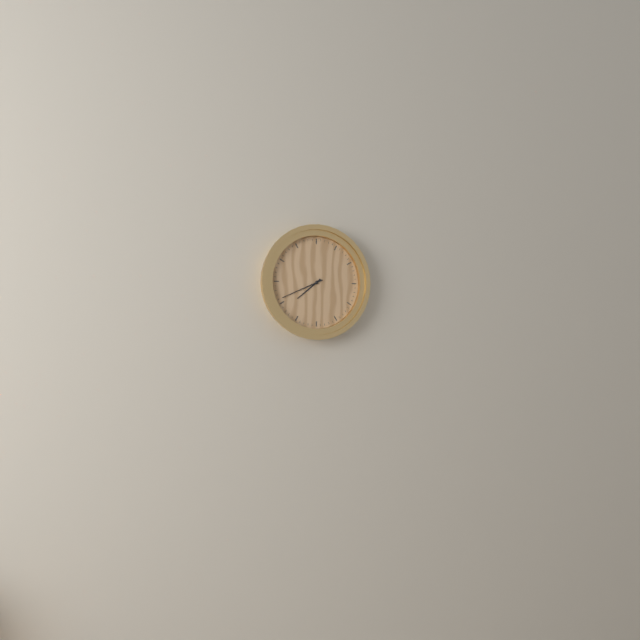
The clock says 7,41
